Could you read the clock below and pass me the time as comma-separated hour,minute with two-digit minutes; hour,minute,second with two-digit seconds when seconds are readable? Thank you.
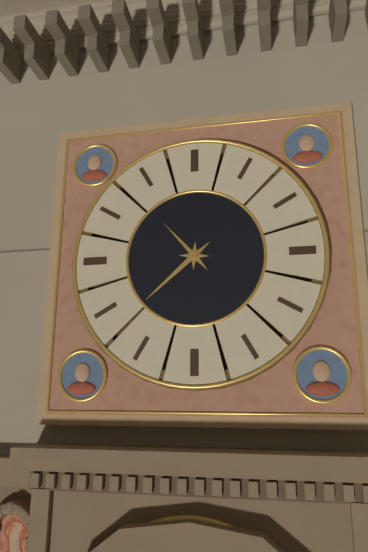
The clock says 10,38
